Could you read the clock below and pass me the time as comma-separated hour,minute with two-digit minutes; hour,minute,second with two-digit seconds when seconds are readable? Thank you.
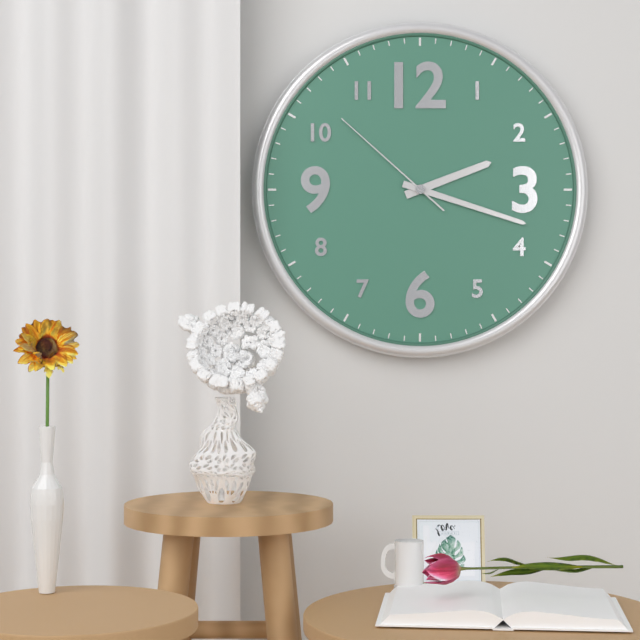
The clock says 2,18,52
